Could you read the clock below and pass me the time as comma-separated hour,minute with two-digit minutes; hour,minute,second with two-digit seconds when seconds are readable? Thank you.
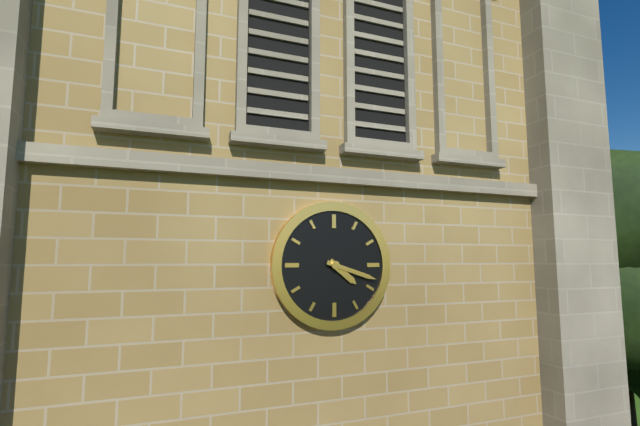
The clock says 4,18
